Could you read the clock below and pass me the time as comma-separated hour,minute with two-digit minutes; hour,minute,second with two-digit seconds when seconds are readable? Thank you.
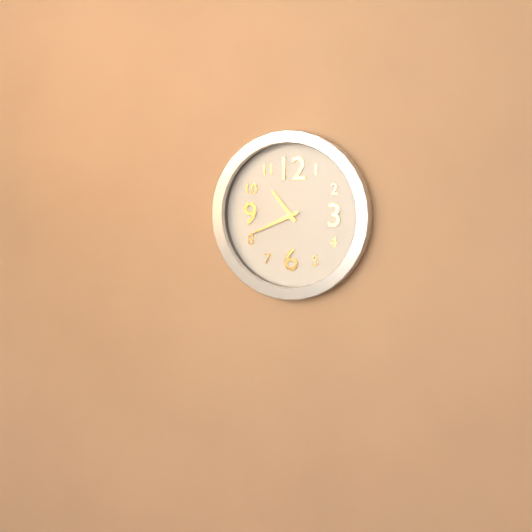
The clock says 10,41
